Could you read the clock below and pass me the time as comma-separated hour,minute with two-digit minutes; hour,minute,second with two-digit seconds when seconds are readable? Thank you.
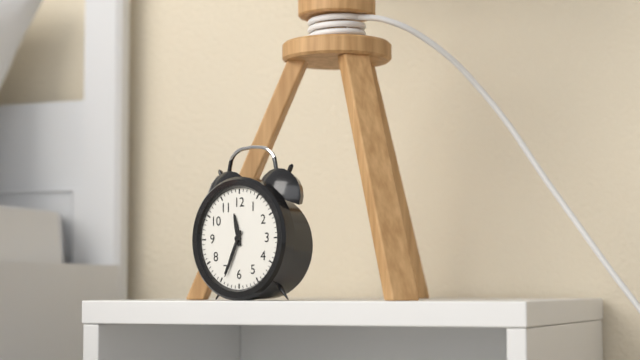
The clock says 11,34
